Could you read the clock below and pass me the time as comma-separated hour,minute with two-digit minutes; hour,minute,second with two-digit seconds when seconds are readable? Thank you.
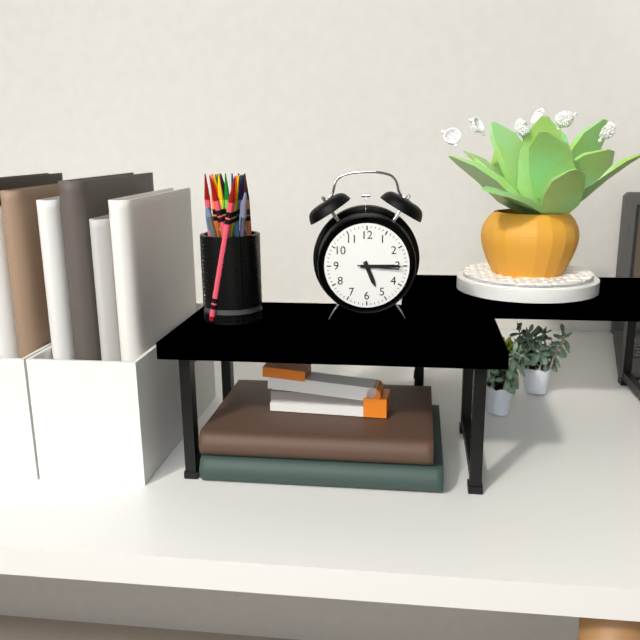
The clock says 5,15
